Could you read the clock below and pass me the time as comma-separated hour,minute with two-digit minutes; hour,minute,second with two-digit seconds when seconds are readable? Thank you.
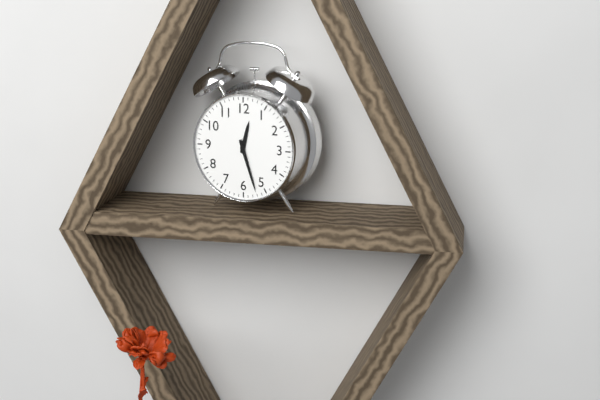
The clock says 12,27
